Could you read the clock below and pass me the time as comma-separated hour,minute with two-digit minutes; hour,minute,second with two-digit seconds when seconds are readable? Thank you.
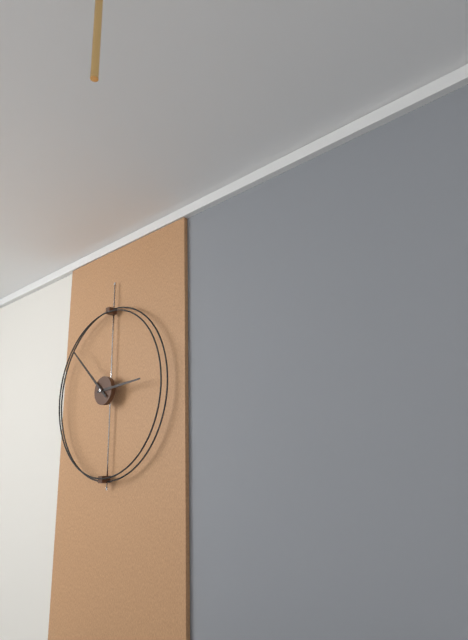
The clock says 2,52
